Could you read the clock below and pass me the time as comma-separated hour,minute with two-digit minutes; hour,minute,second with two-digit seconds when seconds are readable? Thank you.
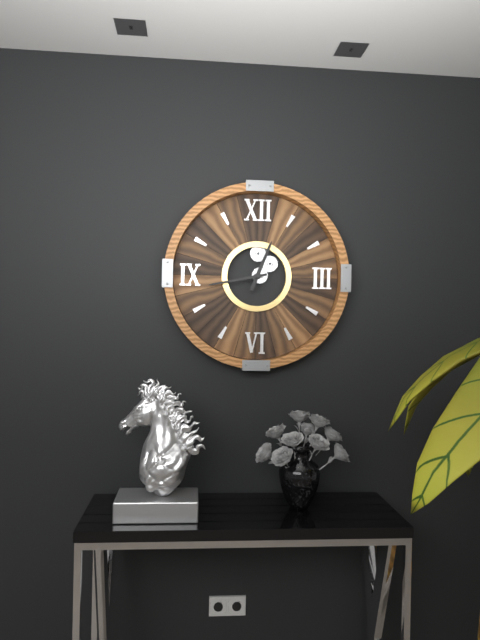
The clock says 12,43
